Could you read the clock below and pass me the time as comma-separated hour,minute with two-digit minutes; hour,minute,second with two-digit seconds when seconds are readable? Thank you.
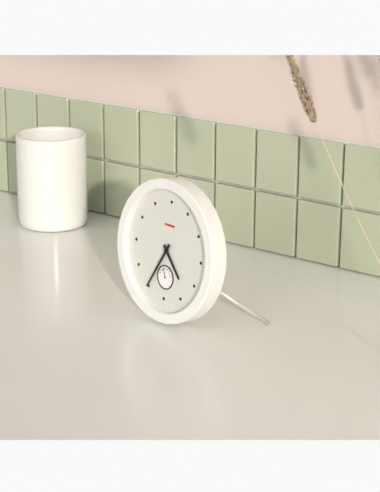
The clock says 4,35
